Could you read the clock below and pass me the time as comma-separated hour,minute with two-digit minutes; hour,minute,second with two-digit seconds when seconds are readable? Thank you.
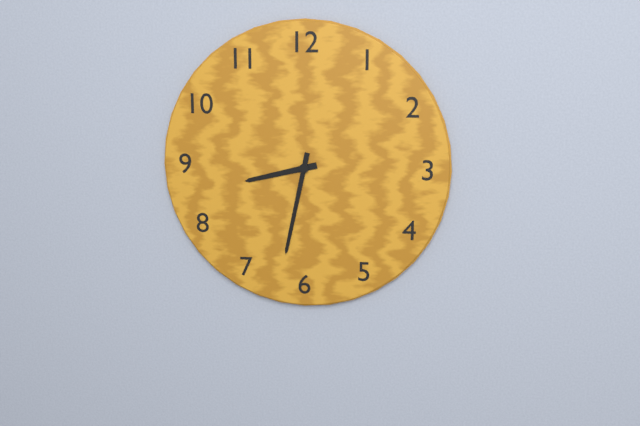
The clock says 8,32
